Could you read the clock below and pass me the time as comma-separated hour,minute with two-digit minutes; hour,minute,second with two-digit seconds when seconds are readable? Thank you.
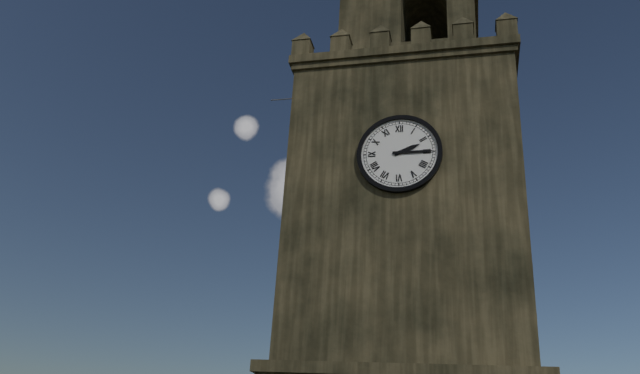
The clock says 2,15
